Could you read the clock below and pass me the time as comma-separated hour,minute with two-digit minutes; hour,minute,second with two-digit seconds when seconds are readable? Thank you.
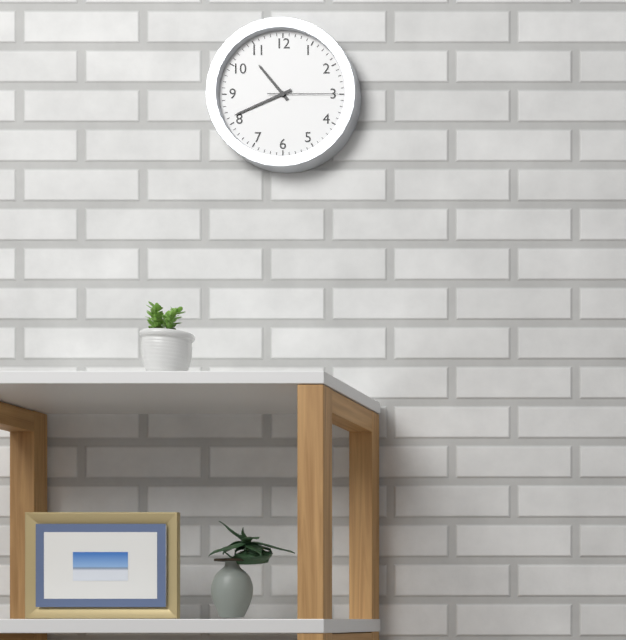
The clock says 10,41,15
